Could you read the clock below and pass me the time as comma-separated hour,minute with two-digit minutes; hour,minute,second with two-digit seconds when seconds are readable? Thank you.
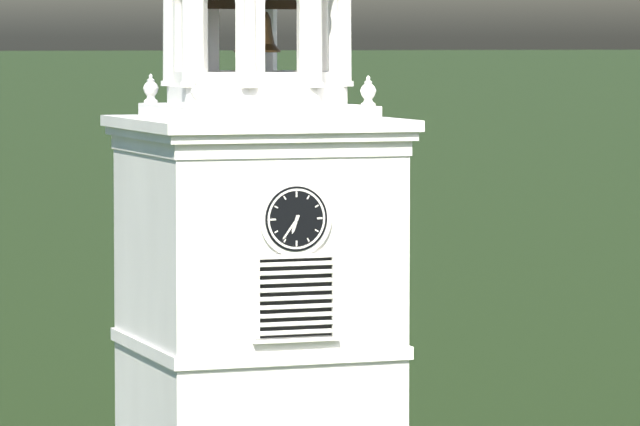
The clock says 6,36
